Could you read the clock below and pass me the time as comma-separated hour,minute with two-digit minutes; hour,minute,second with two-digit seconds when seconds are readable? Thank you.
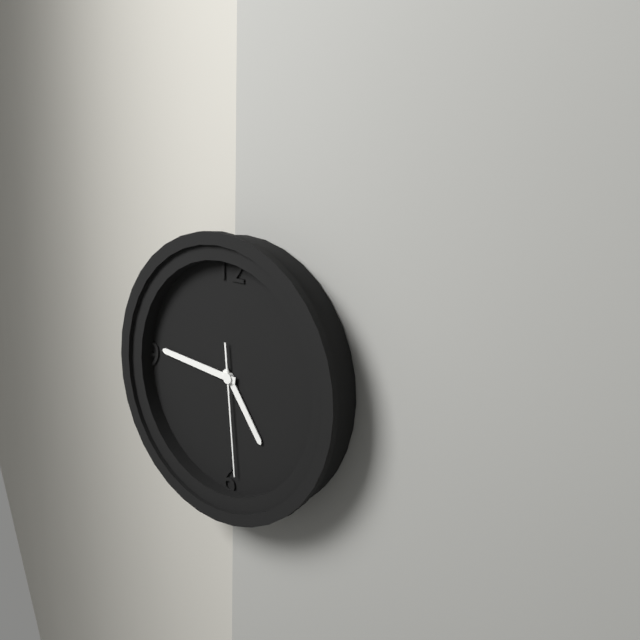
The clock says 4,46,29
